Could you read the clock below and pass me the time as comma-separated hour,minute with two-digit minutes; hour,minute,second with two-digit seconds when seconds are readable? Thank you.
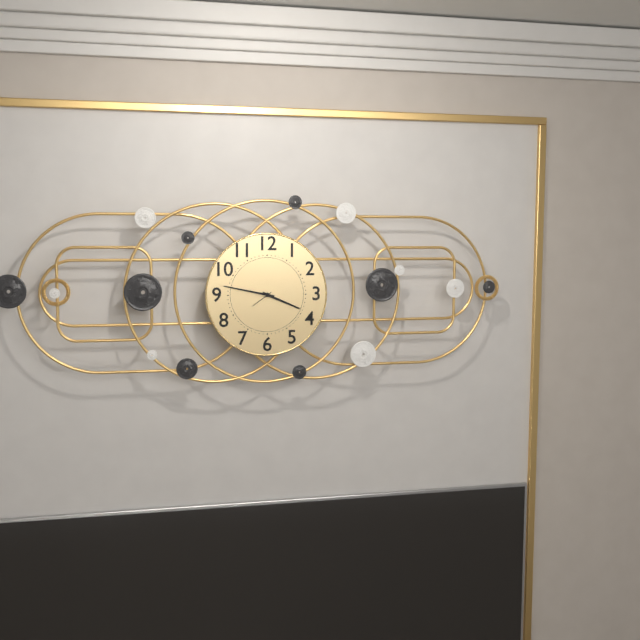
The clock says 3,47
